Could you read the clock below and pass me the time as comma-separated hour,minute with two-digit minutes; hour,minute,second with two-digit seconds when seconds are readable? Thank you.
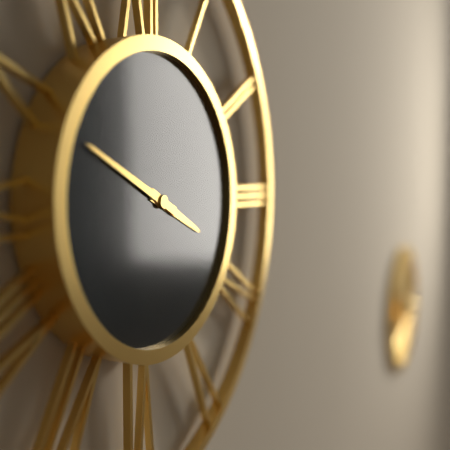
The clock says 3,49
